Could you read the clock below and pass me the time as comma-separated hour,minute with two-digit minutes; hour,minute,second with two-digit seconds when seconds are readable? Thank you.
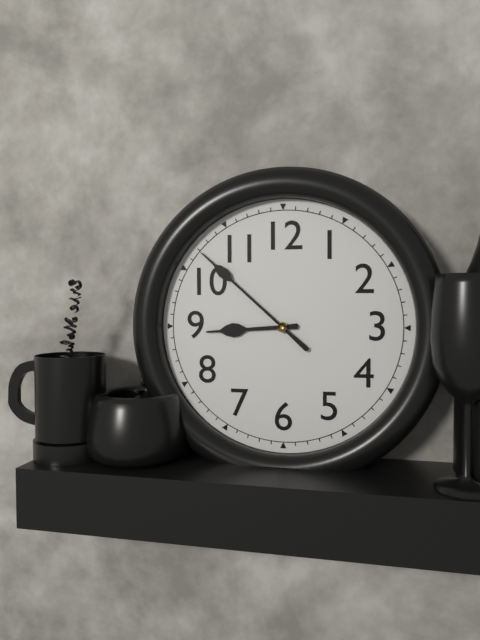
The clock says 8,52
